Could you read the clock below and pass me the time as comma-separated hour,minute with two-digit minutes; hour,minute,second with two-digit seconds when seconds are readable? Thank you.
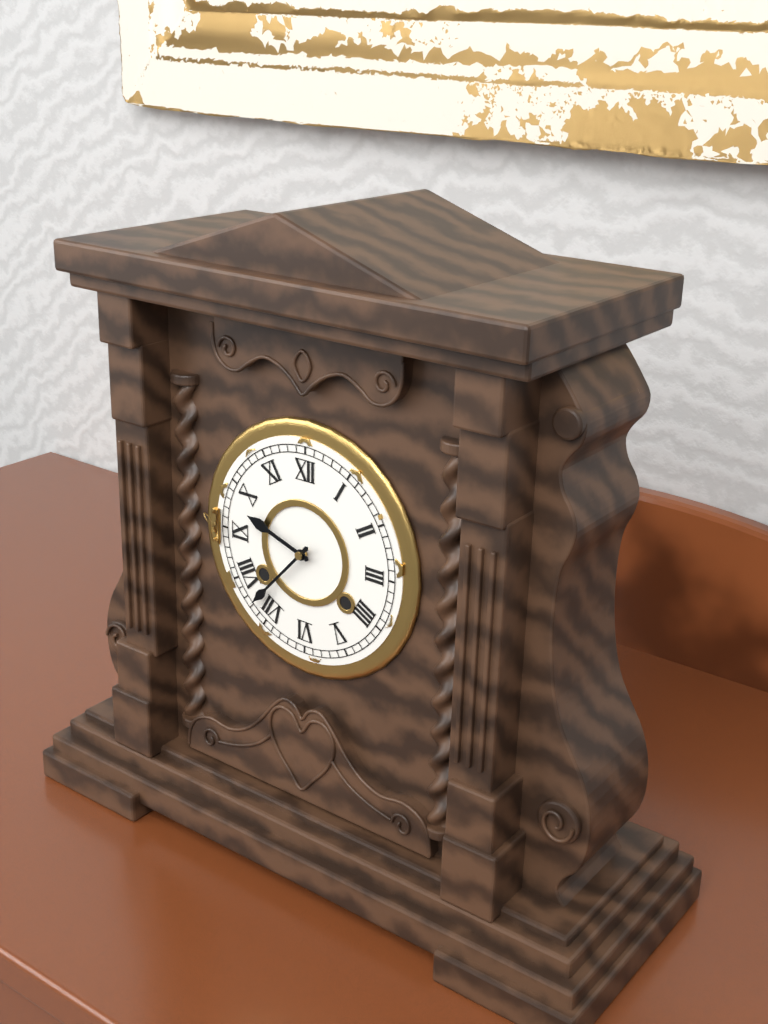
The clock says 9,37
